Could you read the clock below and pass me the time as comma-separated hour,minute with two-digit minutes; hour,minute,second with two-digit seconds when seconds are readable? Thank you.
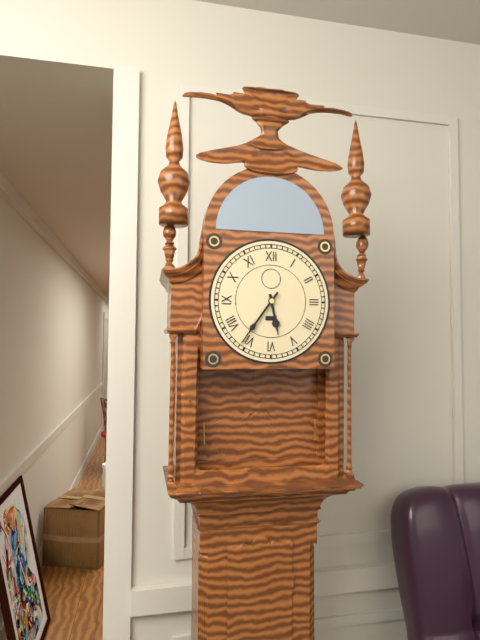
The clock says 5,36
